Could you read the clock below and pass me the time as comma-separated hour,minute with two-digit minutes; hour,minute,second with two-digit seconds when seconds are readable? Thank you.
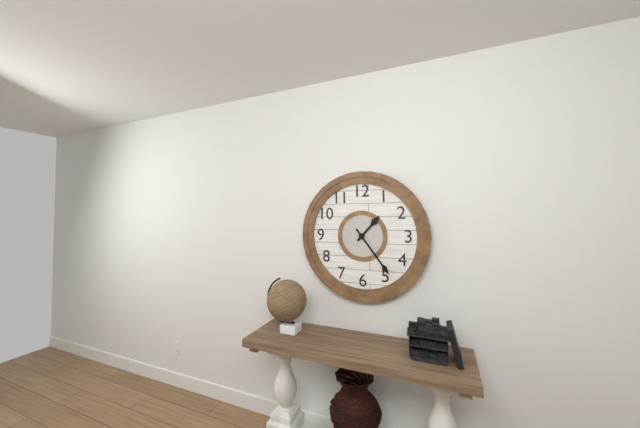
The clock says 1,24
